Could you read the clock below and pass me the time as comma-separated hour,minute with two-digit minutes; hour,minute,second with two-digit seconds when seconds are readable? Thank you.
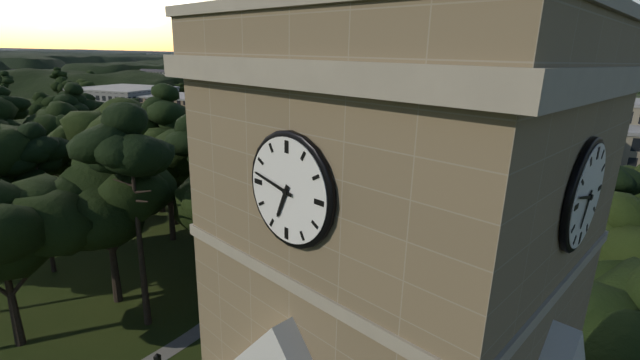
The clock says 6,47
